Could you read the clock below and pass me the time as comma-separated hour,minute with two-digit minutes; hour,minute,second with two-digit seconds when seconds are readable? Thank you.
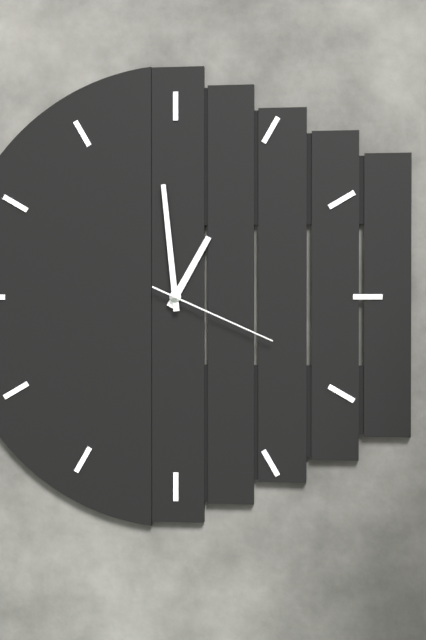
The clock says 12,59,19
